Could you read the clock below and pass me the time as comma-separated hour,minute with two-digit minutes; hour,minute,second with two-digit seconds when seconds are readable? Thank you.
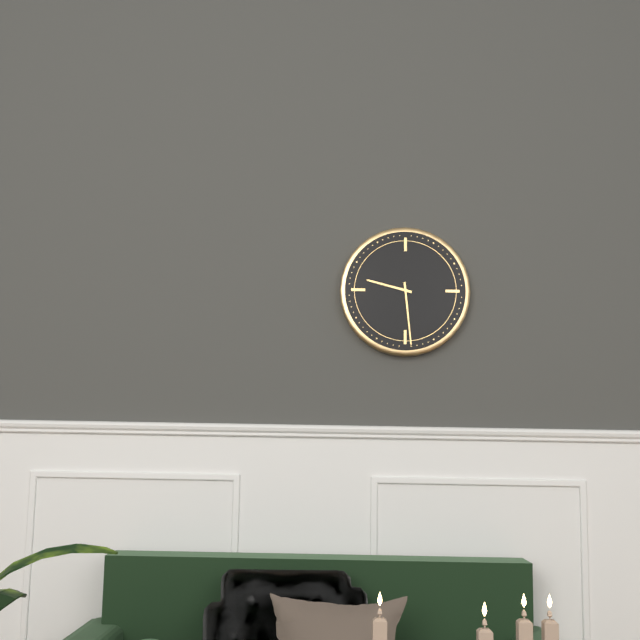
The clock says 9,29
